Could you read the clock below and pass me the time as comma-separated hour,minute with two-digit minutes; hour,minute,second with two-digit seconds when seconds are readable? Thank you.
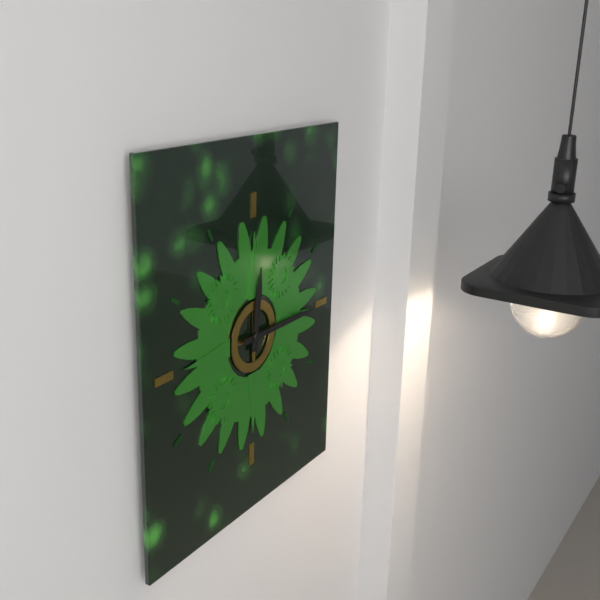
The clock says 12,15
